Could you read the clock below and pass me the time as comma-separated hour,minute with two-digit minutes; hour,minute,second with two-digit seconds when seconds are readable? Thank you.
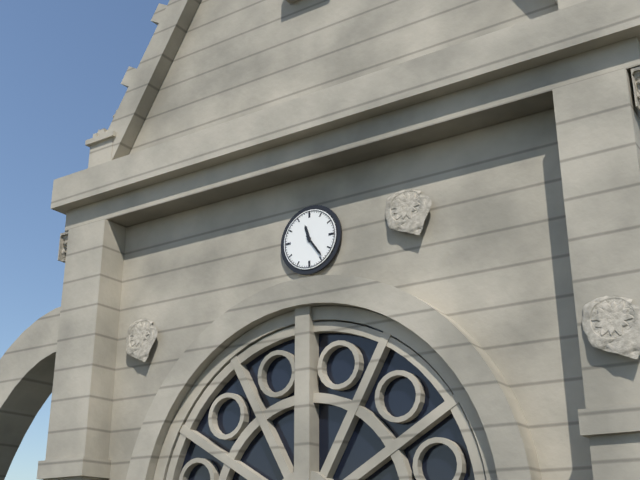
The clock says 11,24
